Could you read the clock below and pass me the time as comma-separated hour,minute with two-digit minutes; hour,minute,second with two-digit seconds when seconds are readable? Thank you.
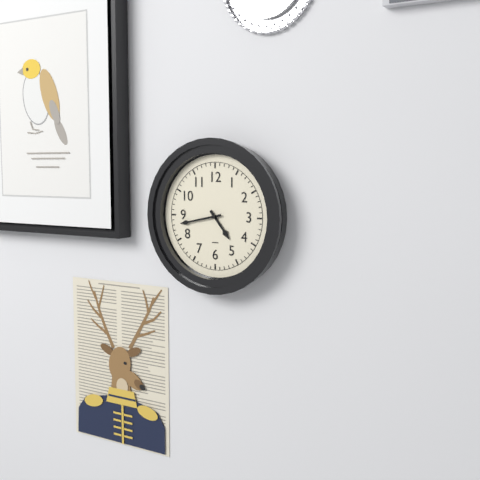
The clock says 4,43
